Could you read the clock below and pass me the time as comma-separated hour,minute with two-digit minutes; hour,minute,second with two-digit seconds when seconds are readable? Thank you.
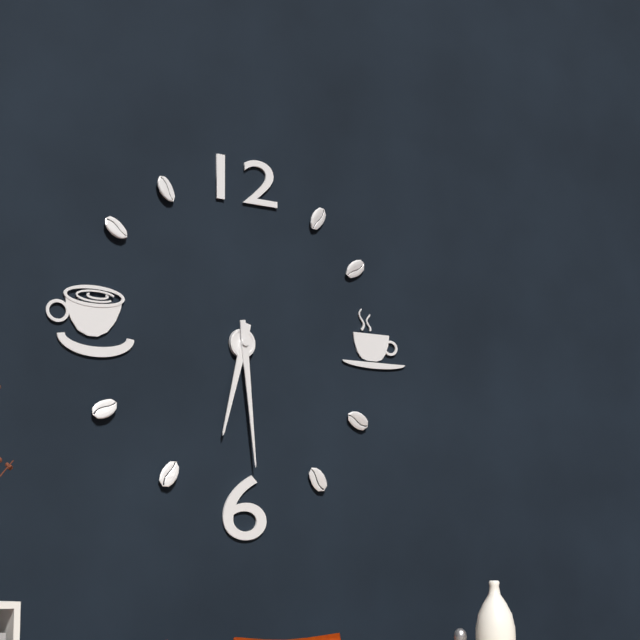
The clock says 6,29
